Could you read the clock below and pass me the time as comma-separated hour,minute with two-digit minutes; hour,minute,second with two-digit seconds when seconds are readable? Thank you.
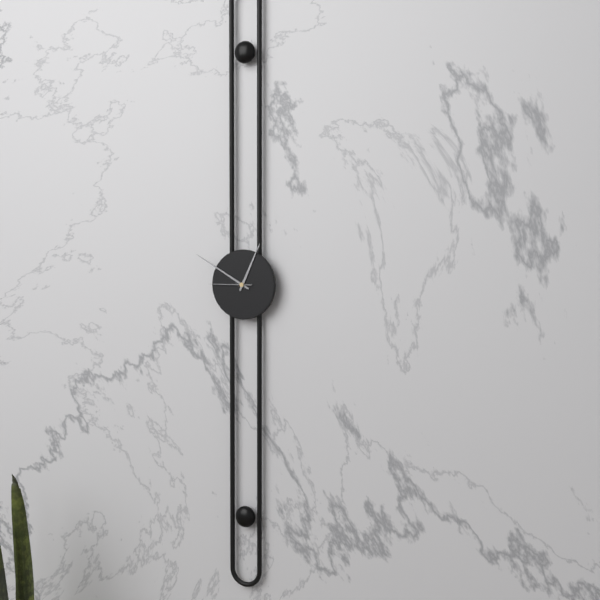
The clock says 12,50
